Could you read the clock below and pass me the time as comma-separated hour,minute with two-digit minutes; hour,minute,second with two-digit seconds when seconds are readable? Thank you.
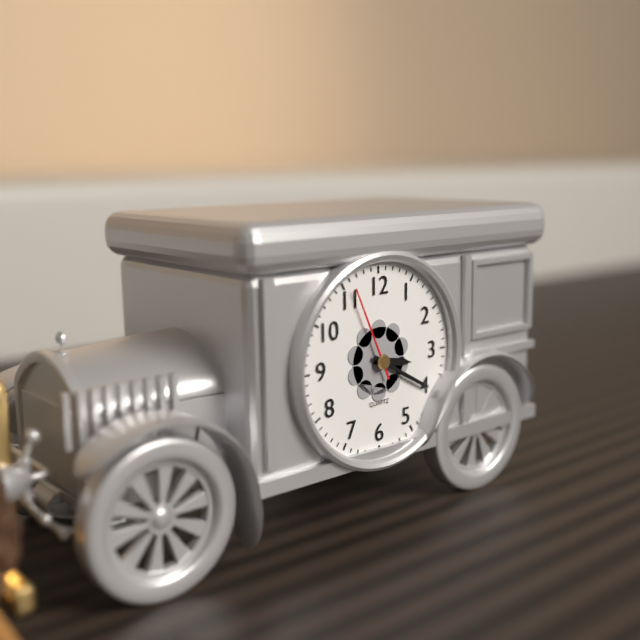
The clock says 3,20,56
